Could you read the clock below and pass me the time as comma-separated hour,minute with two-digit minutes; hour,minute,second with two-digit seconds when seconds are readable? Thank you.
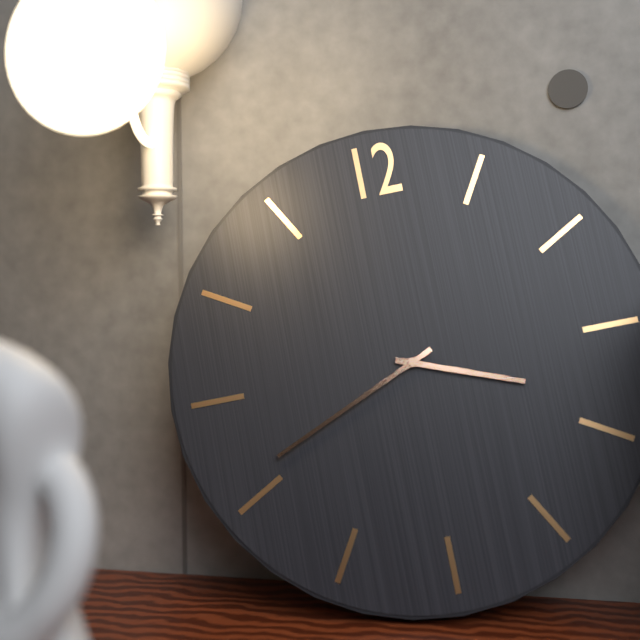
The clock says 3,41
